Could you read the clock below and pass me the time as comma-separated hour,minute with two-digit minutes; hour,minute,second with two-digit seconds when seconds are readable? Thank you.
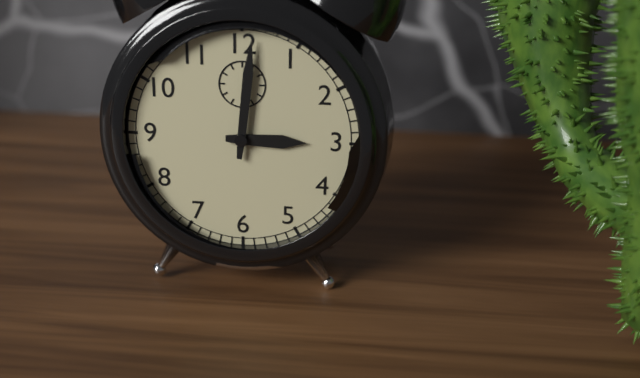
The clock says 3,01
